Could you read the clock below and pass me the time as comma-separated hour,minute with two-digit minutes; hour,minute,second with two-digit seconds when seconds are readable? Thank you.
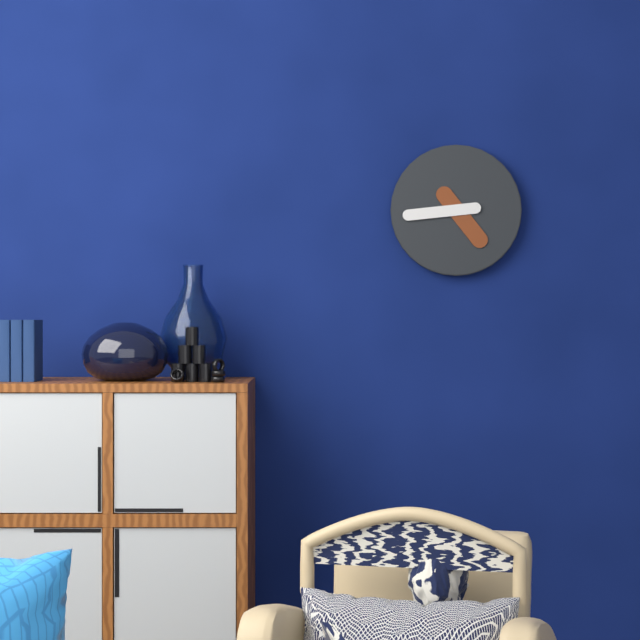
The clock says 4,44
